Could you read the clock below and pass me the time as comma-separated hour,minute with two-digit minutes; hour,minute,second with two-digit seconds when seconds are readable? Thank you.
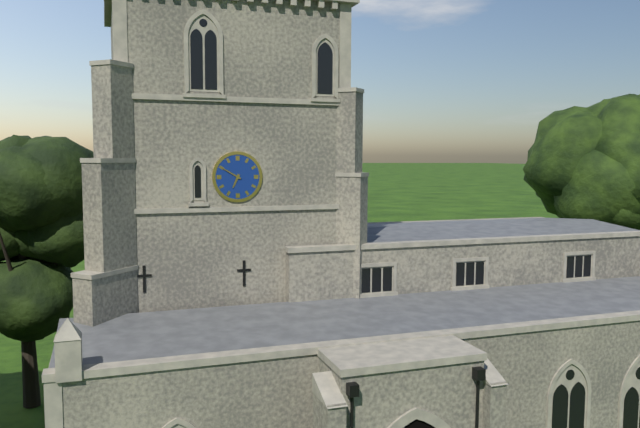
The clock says 6,50
